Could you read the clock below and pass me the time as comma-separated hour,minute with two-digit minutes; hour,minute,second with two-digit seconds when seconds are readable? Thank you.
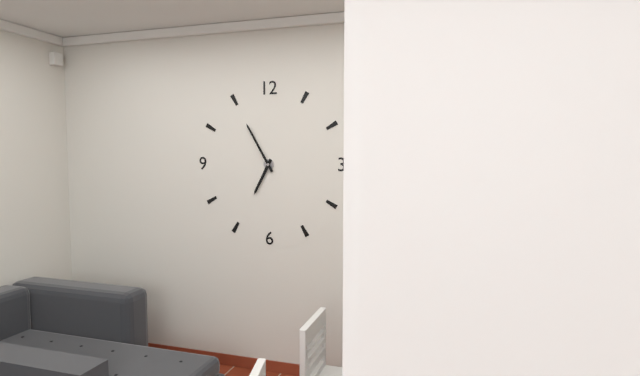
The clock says 6,55
